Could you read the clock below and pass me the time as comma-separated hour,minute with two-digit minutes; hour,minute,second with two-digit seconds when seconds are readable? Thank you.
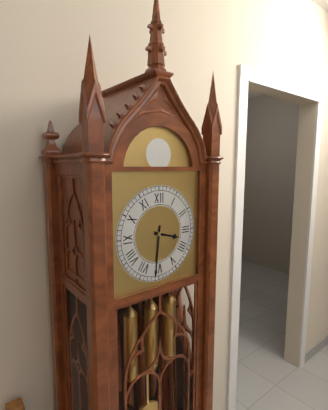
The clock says 3,31
